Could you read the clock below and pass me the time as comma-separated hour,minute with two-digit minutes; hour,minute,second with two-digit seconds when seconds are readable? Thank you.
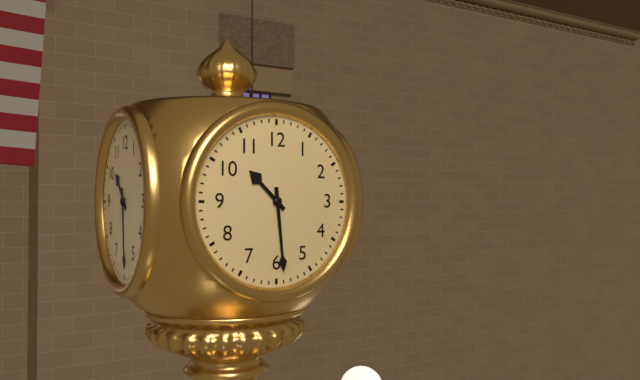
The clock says 10,29
